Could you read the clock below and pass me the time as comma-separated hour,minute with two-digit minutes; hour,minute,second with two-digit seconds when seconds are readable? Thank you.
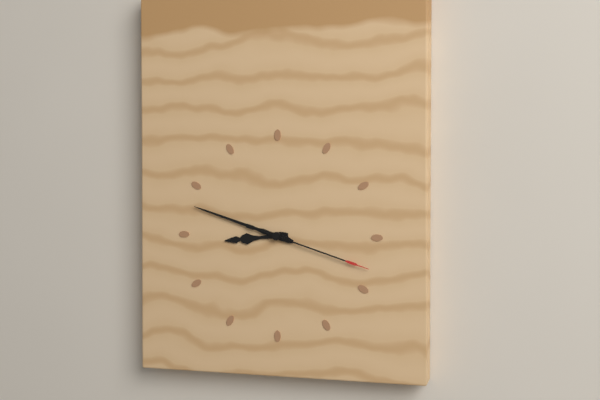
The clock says 8,48,18
